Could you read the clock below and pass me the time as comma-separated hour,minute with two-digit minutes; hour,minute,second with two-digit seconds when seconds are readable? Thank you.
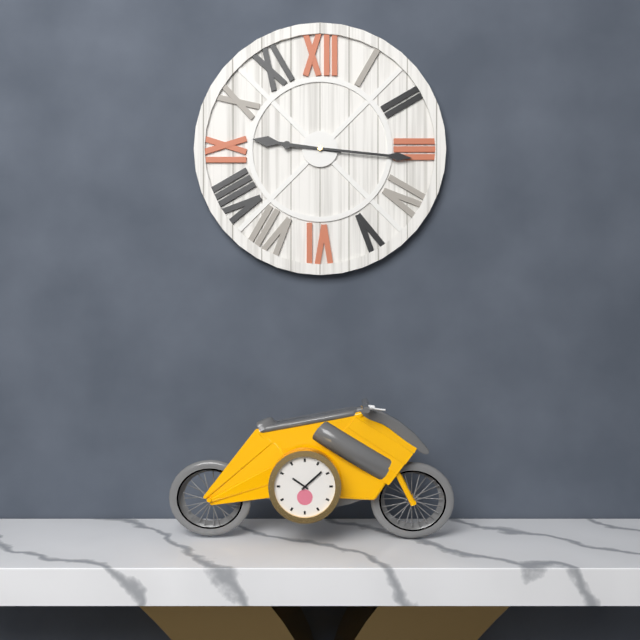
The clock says 9,16
